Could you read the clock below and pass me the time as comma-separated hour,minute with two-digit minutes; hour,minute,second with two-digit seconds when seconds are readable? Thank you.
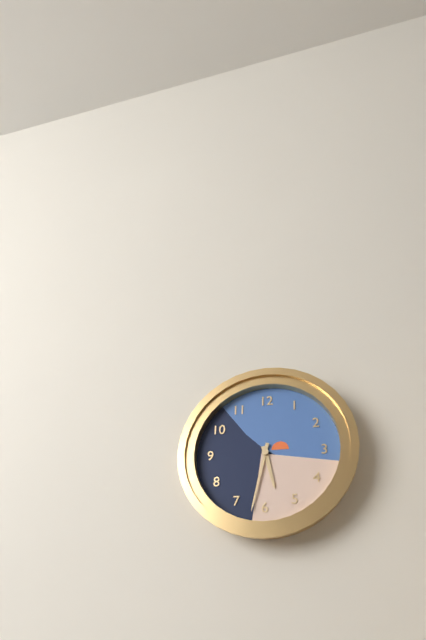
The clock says 5,32
